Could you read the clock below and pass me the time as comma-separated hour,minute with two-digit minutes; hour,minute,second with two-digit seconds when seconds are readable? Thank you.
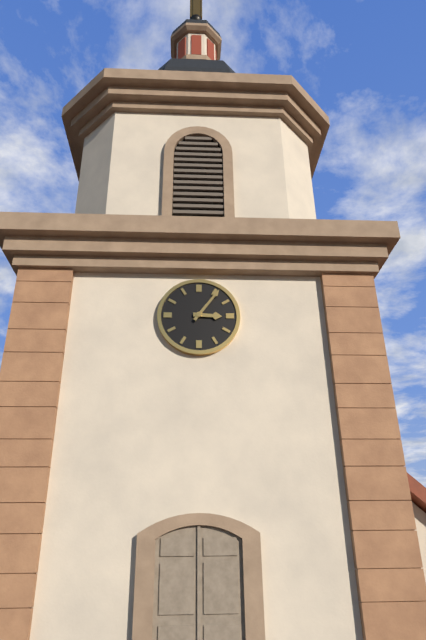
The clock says 3,06
